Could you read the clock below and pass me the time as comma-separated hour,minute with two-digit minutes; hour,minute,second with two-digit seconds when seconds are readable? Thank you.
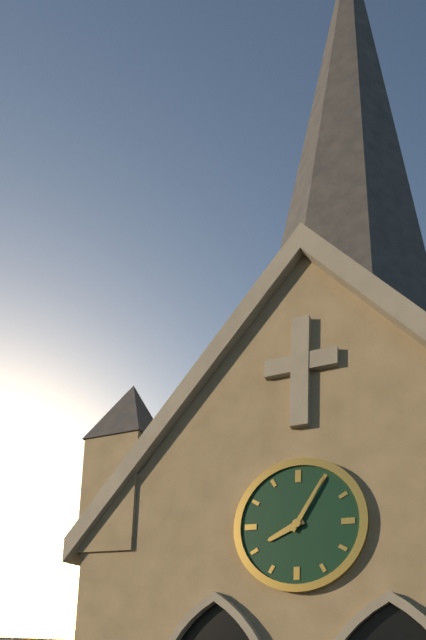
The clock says 8,05
